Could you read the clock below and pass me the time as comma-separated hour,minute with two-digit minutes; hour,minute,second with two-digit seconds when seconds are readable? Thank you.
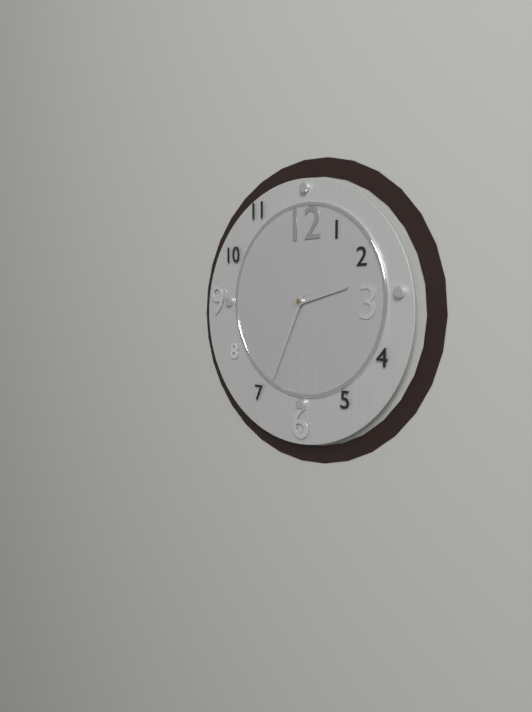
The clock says 2,34
